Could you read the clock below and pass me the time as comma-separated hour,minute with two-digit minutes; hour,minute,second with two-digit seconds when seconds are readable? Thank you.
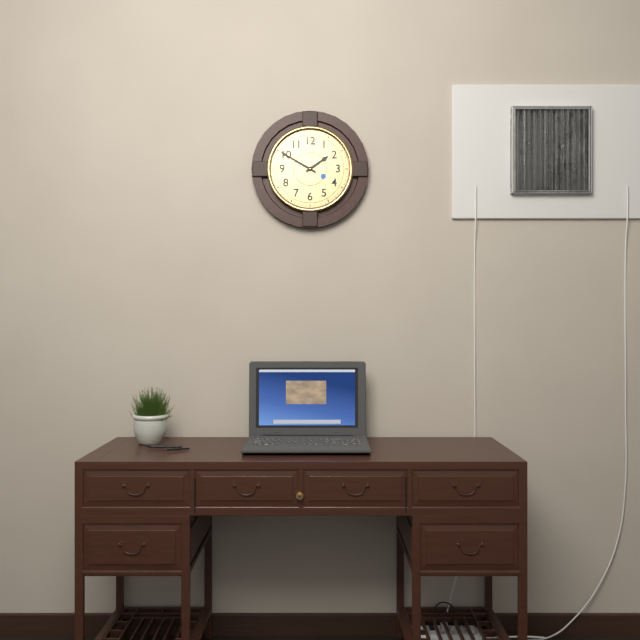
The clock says 1,50
